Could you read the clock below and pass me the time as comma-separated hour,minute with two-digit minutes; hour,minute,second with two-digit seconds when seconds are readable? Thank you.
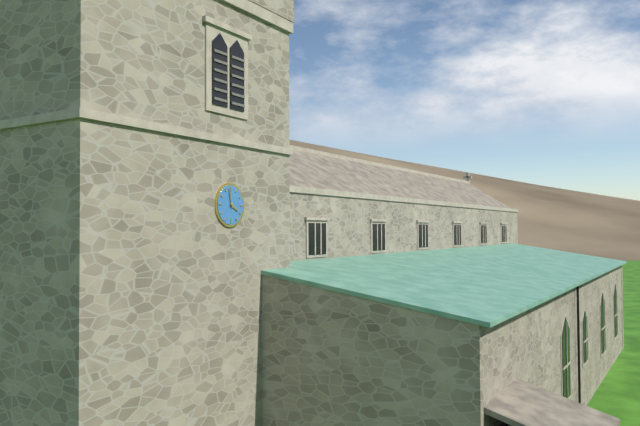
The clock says 3,58
